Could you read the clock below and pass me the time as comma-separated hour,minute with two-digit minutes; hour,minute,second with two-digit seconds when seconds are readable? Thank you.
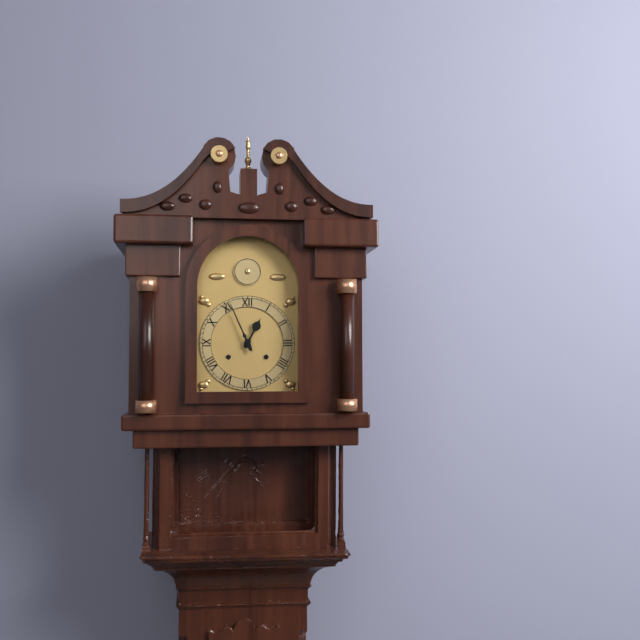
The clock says 12,56
